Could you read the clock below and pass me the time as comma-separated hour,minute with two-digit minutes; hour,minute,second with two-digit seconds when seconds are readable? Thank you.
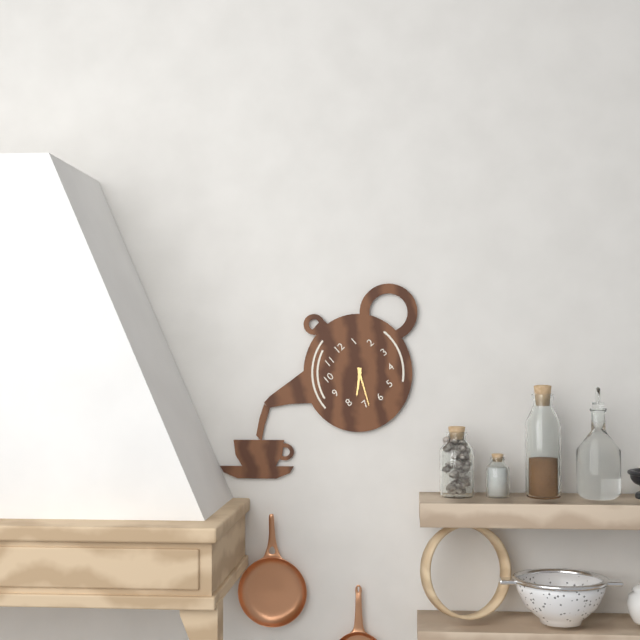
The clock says 7,34
